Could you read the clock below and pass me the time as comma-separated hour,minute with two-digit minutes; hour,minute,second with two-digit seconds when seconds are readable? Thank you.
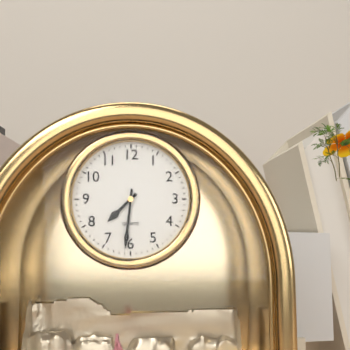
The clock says 7,31
